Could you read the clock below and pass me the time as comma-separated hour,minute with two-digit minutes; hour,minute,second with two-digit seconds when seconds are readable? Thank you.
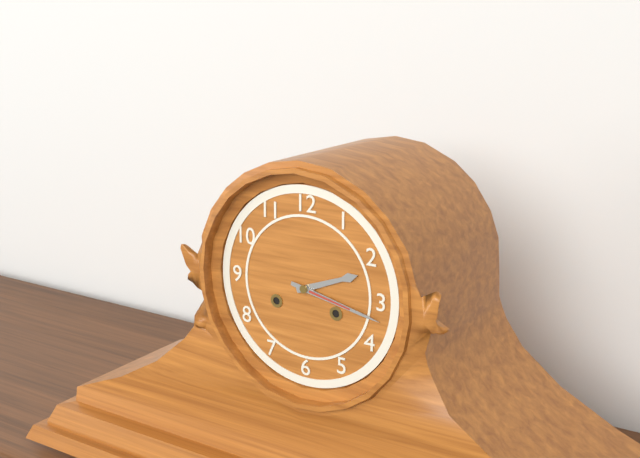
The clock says 2,17
